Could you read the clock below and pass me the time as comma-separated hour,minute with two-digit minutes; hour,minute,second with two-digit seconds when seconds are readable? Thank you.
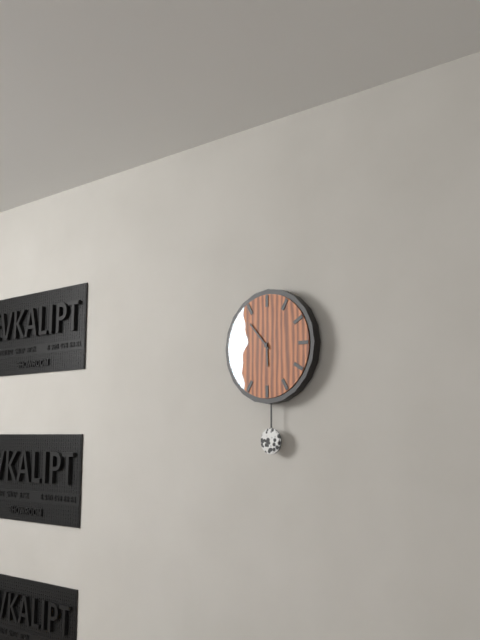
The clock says 5,53
